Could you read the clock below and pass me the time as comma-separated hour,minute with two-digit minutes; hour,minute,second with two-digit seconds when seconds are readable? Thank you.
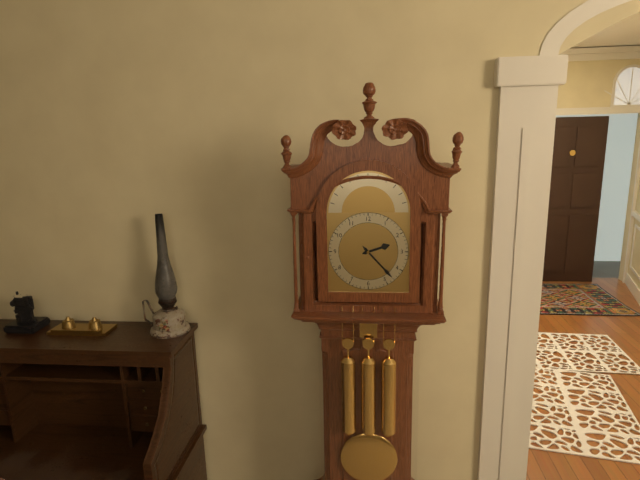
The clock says 2,23
